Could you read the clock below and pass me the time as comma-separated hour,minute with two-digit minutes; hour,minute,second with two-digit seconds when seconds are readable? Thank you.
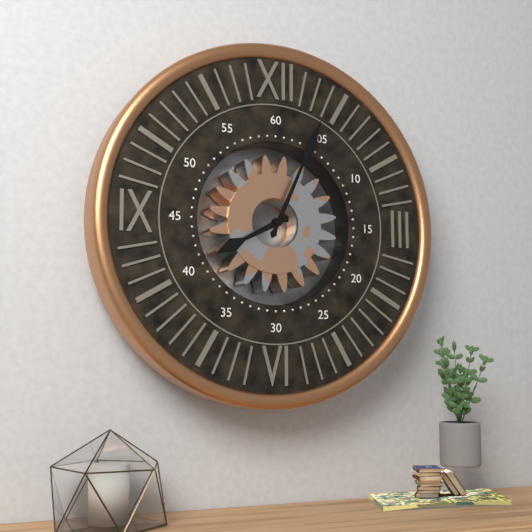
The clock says 8,04
